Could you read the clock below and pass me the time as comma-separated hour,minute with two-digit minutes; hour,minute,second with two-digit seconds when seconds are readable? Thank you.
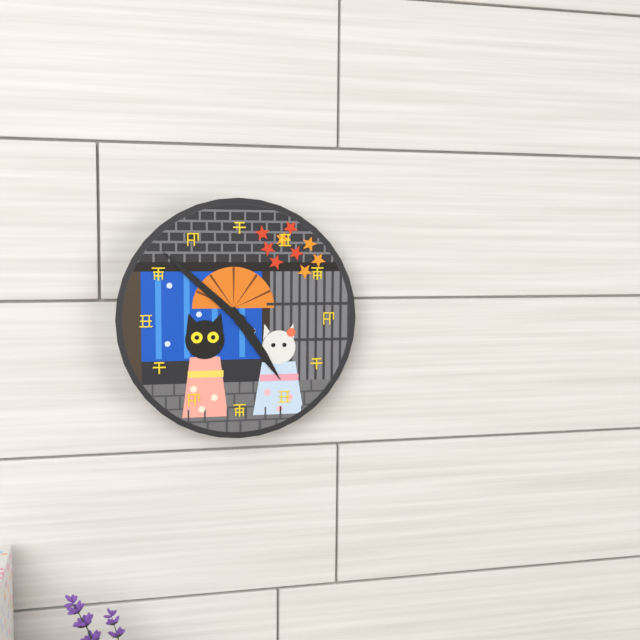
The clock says 4,52
